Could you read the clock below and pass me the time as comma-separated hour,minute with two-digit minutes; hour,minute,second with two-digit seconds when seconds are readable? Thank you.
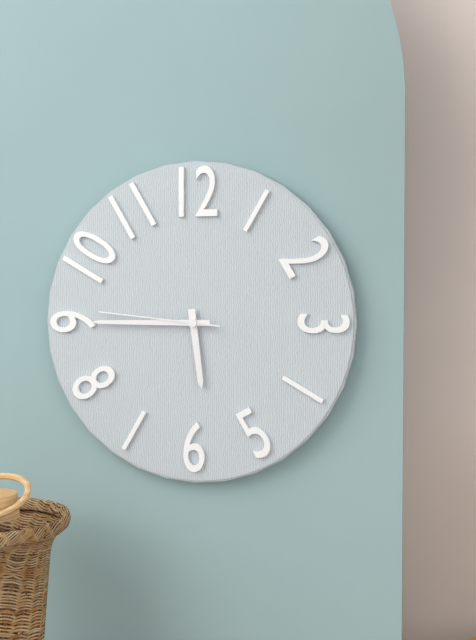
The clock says 5,45,46
